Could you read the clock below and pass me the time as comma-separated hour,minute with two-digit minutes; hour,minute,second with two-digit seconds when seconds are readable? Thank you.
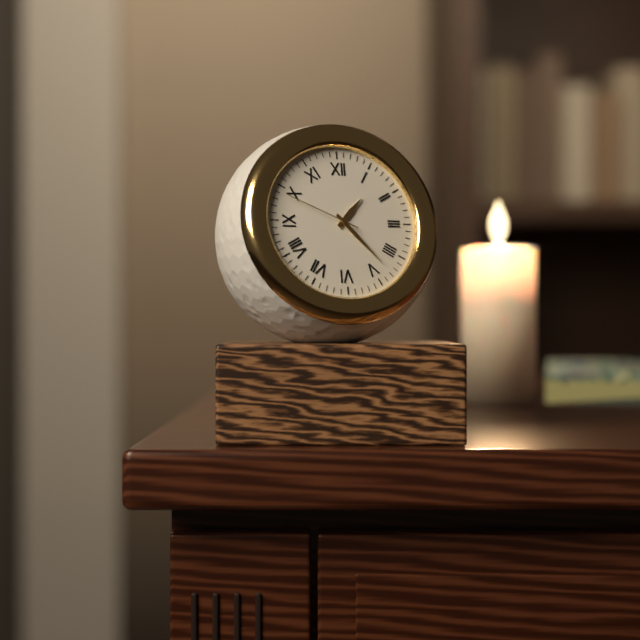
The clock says 1,23,49
